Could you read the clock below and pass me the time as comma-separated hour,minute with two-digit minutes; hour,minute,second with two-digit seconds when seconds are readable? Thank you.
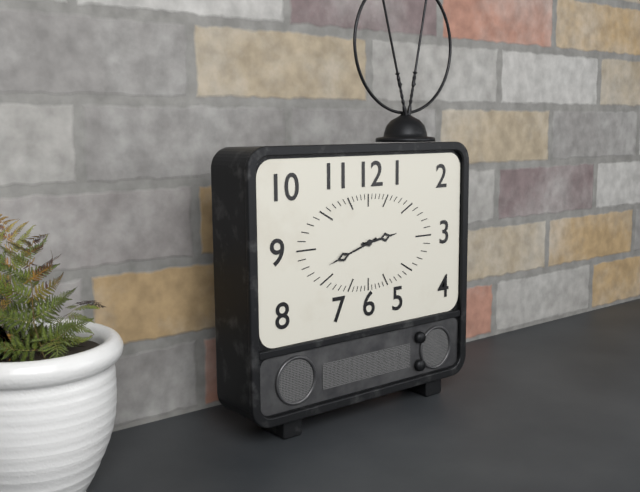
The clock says 2,42
